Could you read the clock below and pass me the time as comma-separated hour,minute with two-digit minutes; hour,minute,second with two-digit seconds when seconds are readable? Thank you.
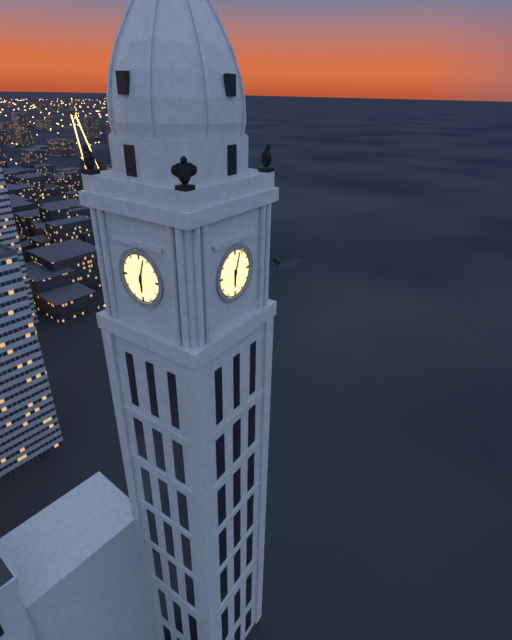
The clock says 6,03
